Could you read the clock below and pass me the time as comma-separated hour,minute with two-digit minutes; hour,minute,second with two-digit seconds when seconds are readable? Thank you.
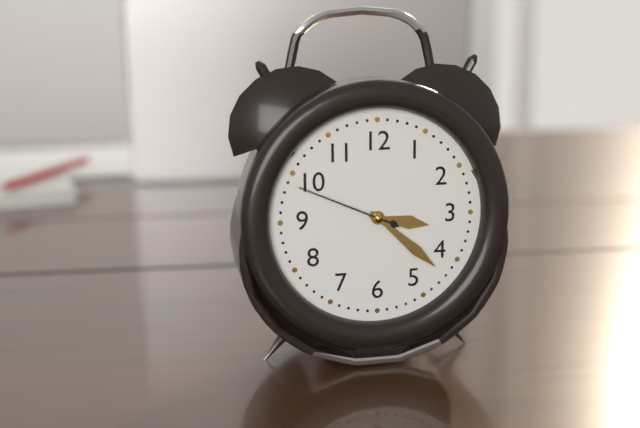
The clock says 3,22,49
